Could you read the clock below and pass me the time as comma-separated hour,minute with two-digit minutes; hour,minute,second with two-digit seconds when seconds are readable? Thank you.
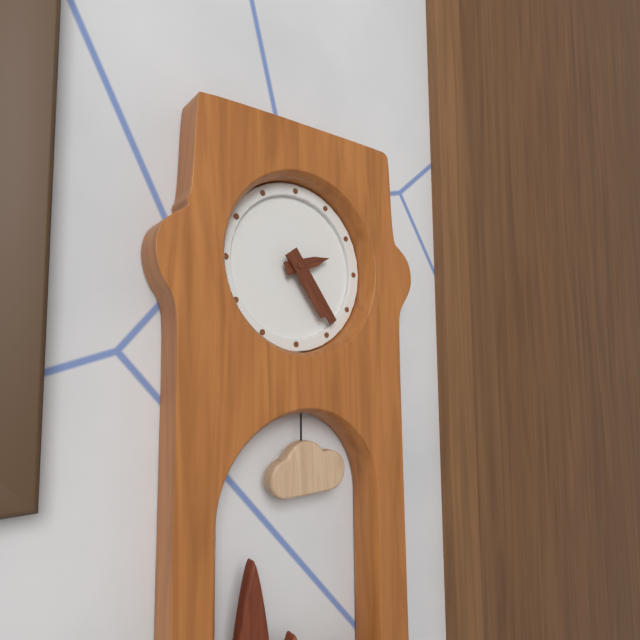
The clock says 2,24
